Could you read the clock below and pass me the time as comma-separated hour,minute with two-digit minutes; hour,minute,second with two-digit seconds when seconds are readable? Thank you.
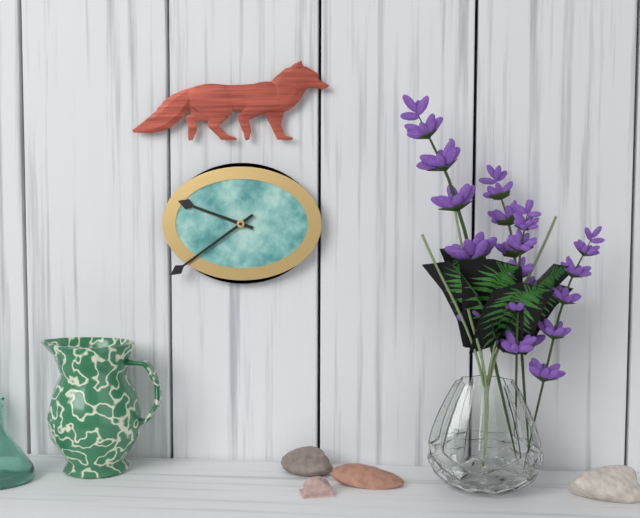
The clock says 9,39
